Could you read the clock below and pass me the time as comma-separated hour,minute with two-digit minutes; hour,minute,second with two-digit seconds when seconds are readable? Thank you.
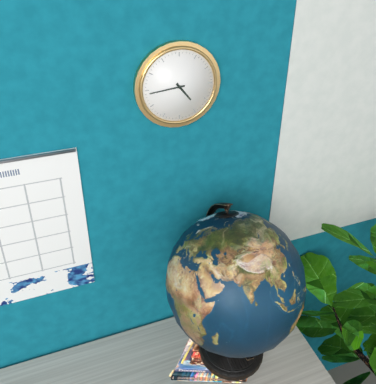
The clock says 4,44
